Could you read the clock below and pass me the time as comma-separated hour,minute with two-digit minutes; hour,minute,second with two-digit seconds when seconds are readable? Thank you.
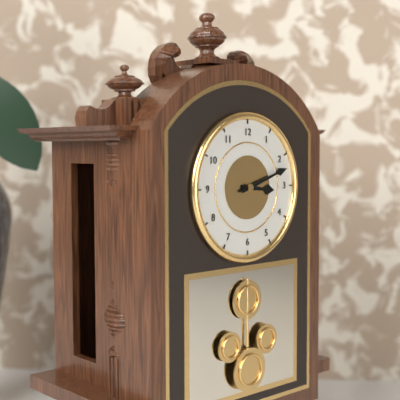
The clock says 3,12
